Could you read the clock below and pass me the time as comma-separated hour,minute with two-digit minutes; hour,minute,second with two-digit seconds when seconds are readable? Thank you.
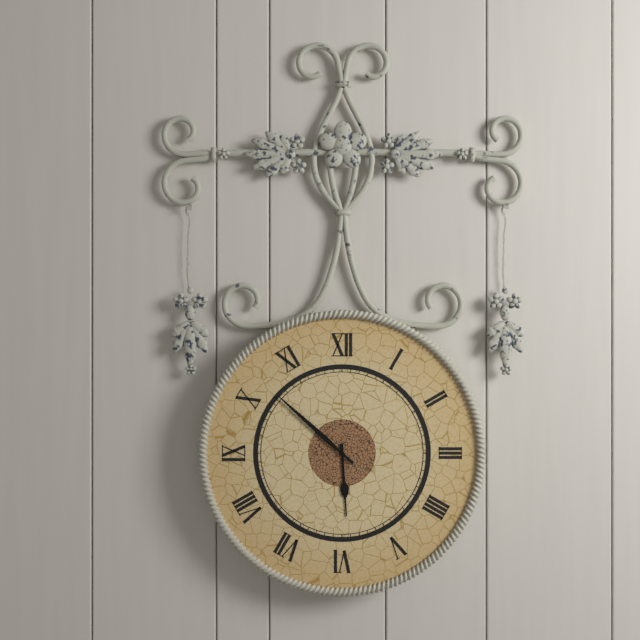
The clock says 5,52
